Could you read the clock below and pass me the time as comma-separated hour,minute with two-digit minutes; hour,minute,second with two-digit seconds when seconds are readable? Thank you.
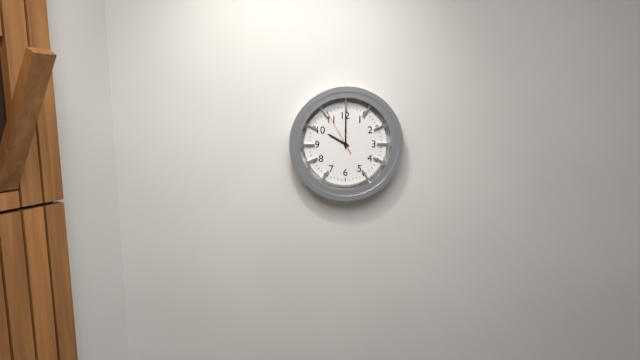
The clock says 10,00
